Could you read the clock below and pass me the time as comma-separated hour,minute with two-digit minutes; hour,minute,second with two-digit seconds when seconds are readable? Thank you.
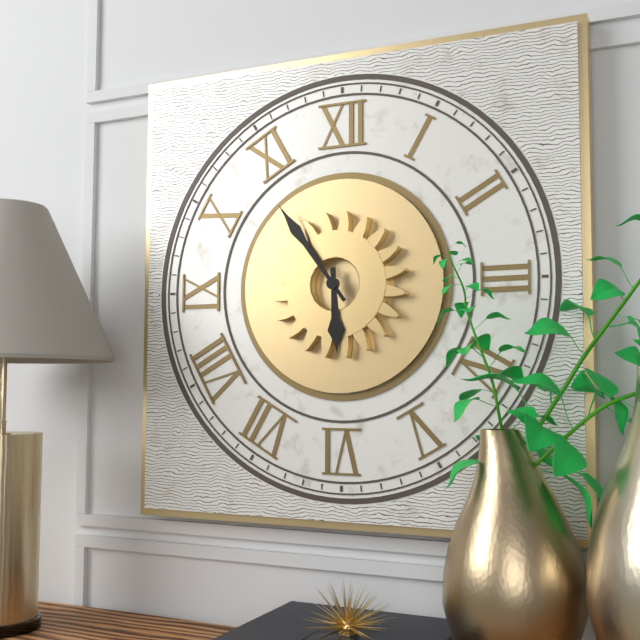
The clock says 5,54
